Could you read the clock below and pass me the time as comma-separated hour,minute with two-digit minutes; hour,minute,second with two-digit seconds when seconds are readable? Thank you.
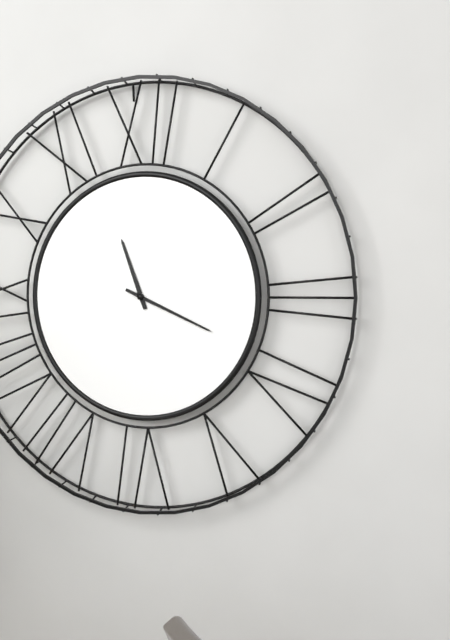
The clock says 11,19
